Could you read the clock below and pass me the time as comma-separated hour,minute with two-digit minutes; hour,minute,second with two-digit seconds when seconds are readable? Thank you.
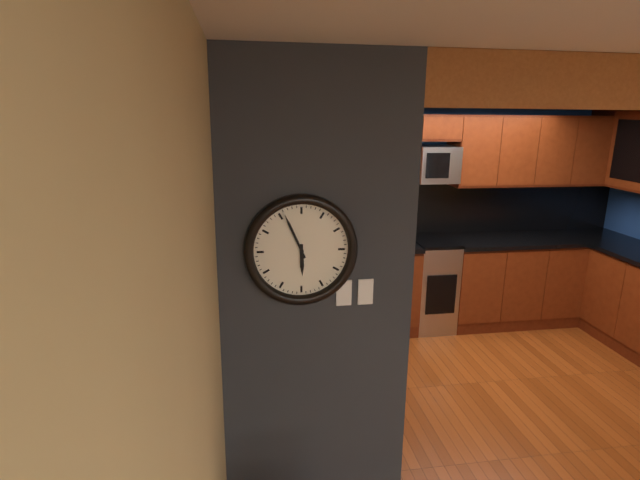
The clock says 5,56
